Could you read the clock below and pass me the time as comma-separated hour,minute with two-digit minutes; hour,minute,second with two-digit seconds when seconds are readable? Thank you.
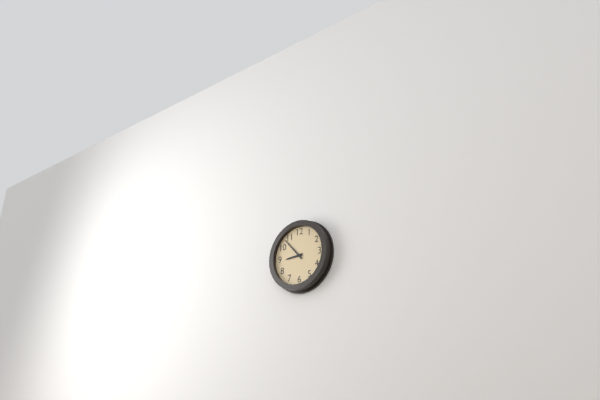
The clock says 8,53
